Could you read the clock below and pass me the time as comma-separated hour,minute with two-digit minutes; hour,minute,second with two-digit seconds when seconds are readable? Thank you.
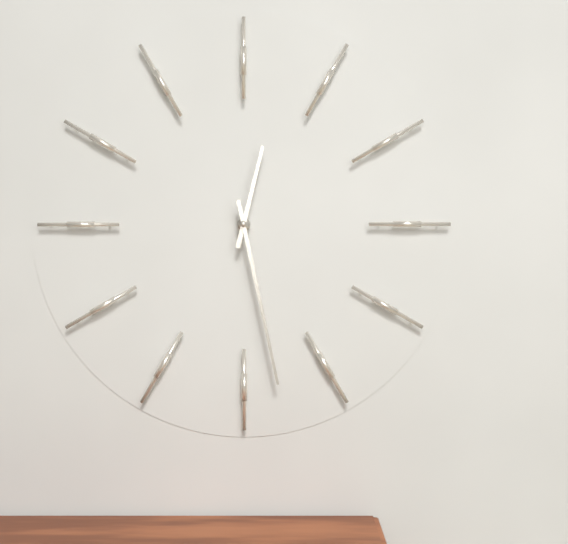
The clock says 12,28
